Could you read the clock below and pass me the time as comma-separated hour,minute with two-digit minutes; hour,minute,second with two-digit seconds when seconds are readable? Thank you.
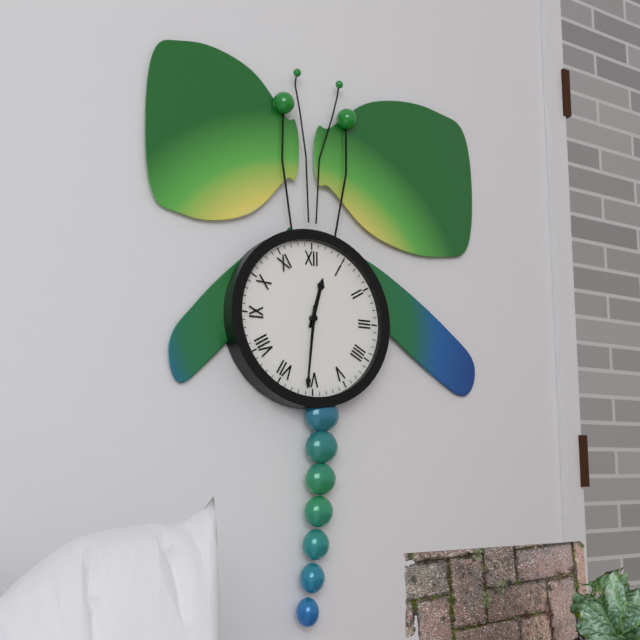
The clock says 12,31
